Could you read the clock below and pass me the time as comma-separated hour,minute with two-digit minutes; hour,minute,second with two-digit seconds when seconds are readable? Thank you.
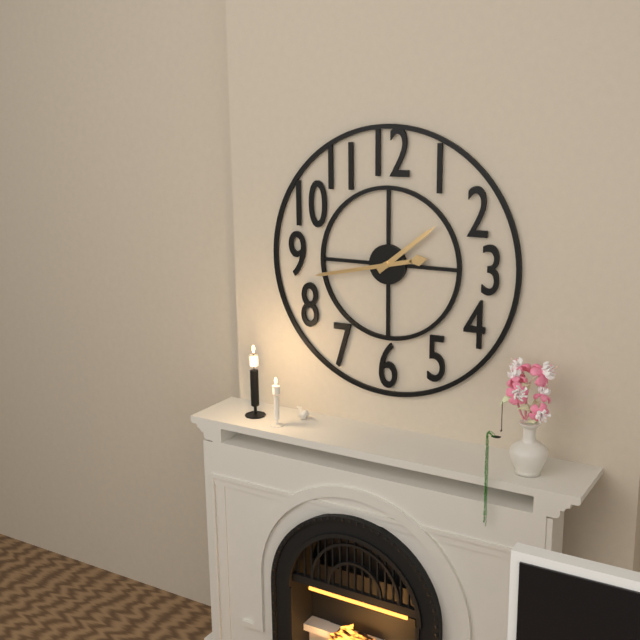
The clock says 1,43
